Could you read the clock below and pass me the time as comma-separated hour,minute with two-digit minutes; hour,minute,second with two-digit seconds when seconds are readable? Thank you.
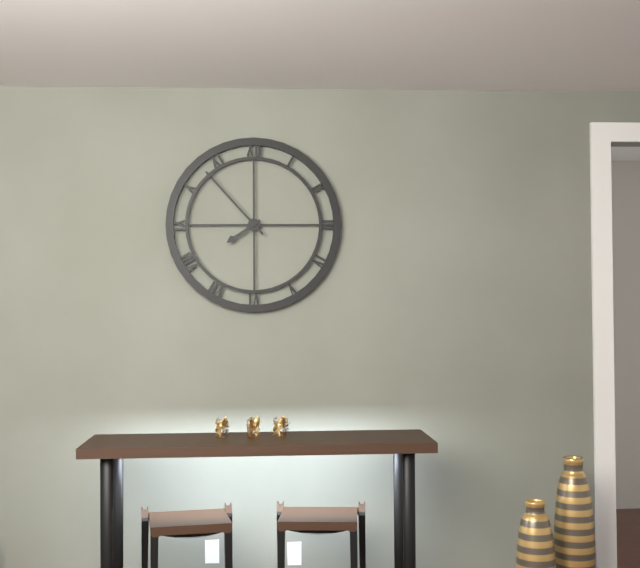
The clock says 7,53
